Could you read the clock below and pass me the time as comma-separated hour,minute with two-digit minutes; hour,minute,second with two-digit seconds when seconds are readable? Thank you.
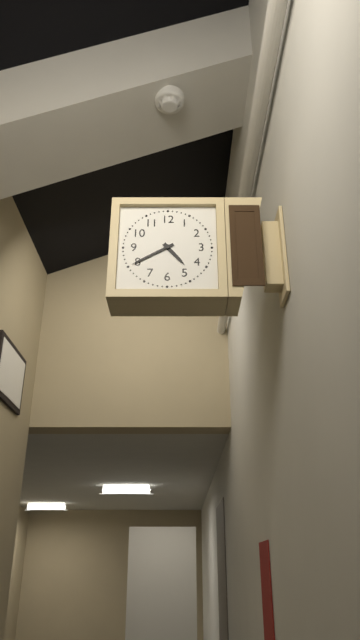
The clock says 4,40
